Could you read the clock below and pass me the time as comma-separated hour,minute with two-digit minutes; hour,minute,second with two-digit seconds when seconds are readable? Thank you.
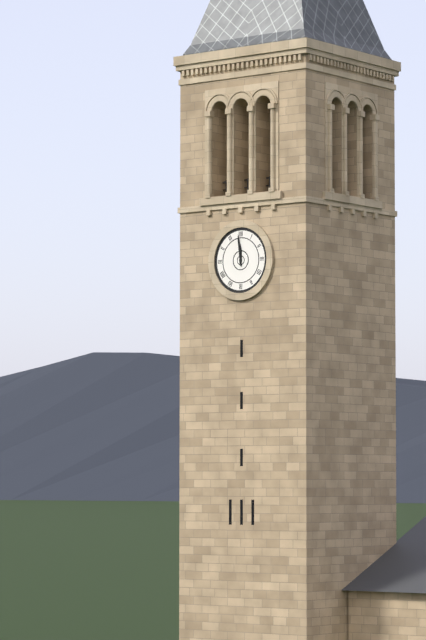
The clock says 11,59
